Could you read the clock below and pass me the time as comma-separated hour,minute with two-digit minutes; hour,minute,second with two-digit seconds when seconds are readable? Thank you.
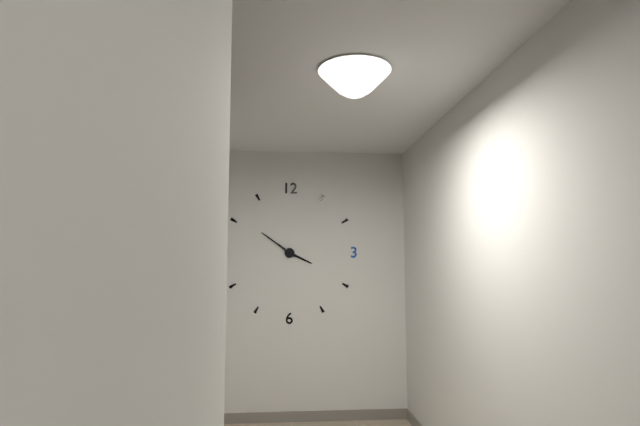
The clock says 3,51
